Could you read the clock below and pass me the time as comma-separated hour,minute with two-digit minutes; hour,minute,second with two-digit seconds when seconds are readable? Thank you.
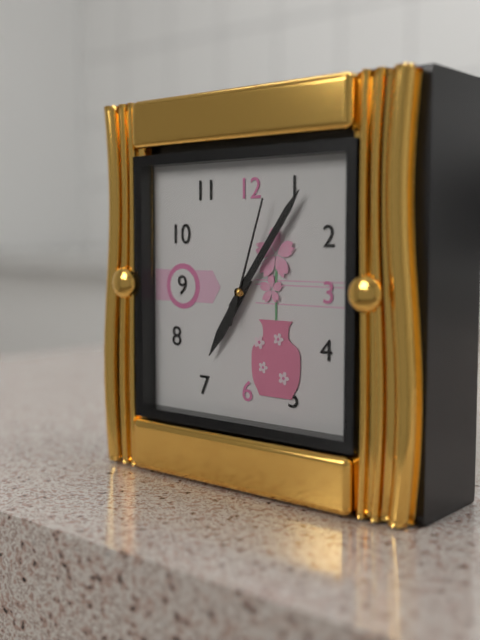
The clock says 7,06,03
